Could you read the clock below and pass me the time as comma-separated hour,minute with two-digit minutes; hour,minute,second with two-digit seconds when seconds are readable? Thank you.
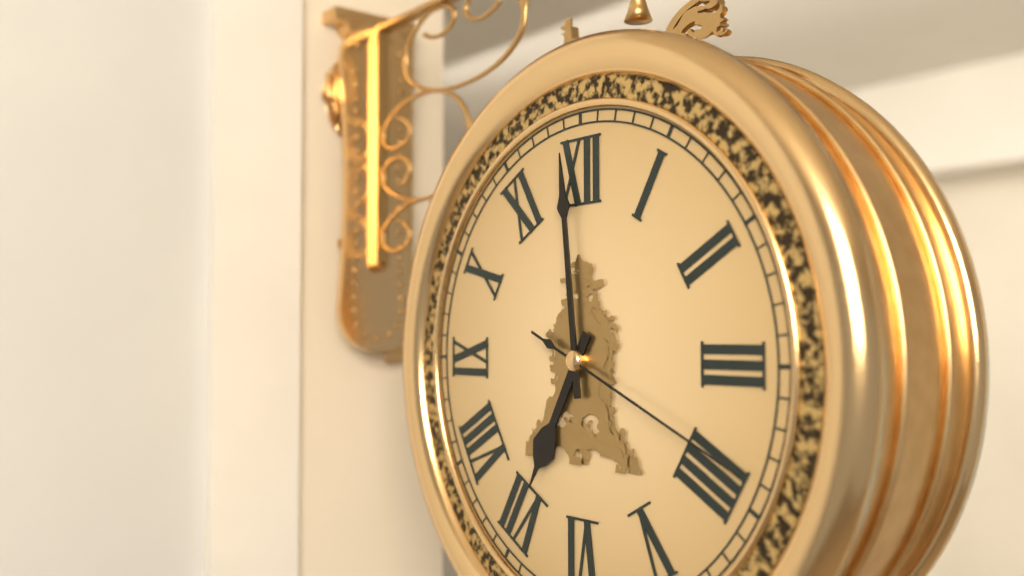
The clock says 6,59,19
